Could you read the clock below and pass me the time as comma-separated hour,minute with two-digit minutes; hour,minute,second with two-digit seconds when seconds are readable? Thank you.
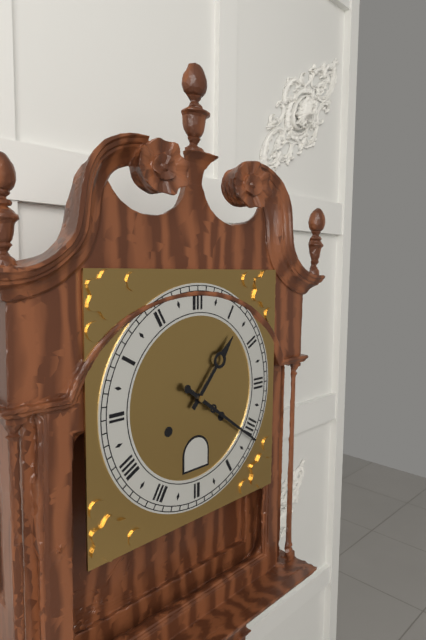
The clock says 1,21
